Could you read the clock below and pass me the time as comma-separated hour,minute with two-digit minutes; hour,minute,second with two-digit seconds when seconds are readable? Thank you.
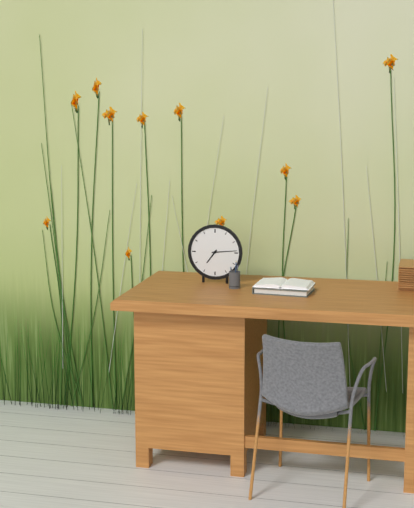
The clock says 7,14
